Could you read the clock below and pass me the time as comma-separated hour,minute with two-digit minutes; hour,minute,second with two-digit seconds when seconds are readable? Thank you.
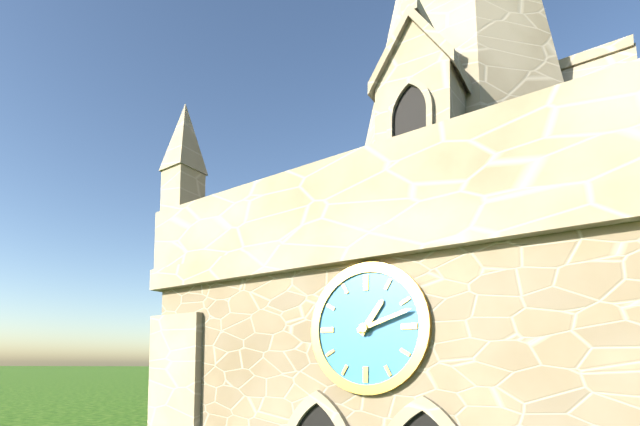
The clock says 1,12
